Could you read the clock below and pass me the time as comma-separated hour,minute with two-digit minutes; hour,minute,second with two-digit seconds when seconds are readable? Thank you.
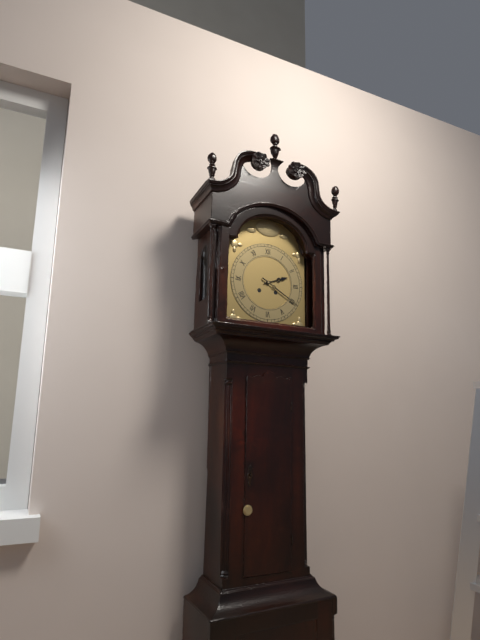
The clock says 2,20
